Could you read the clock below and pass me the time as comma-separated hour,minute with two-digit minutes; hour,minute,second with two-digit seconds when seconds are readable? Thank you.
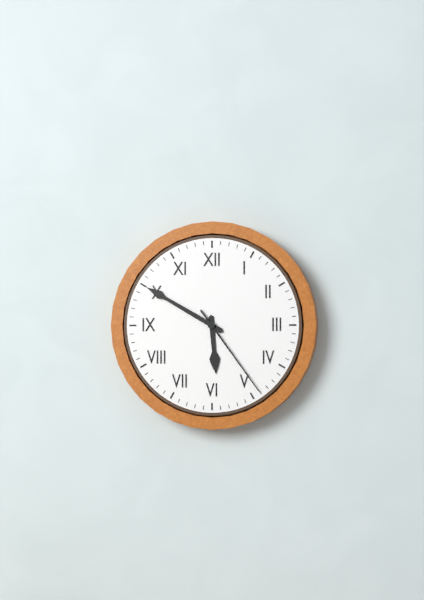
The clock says 5,50,24
